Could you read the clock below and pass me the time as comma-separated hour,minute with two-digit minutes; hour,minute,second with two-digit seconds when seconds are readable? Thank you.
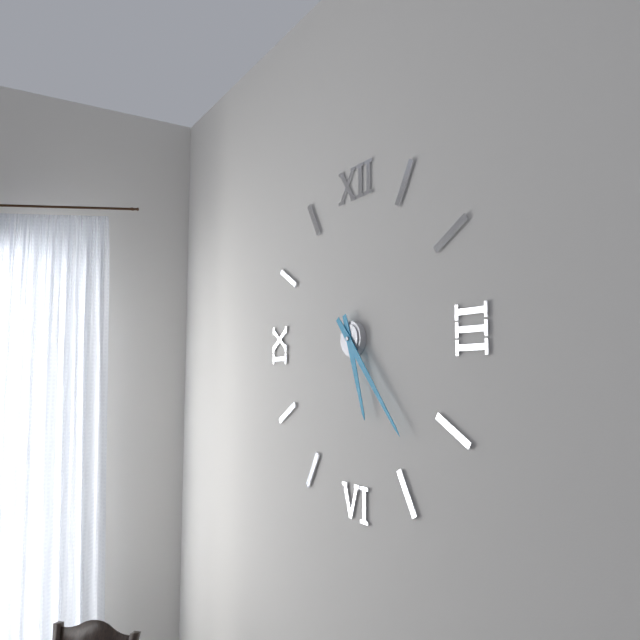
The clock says 5,23
